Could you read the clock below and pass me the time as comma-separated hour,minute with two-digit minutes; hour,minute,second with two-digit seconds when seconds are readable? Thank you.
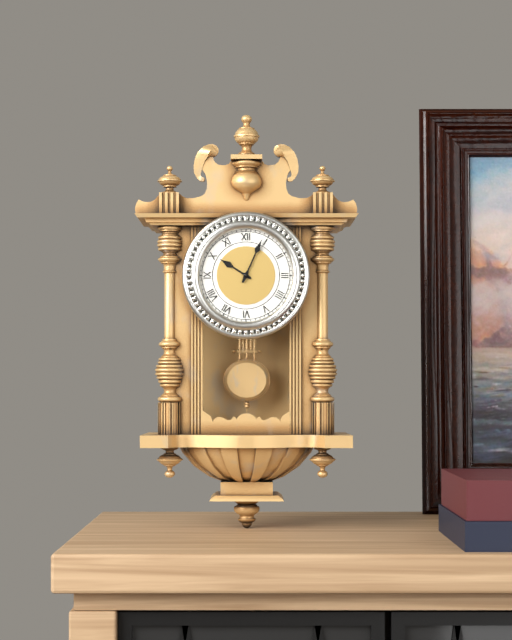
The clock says 10,04
